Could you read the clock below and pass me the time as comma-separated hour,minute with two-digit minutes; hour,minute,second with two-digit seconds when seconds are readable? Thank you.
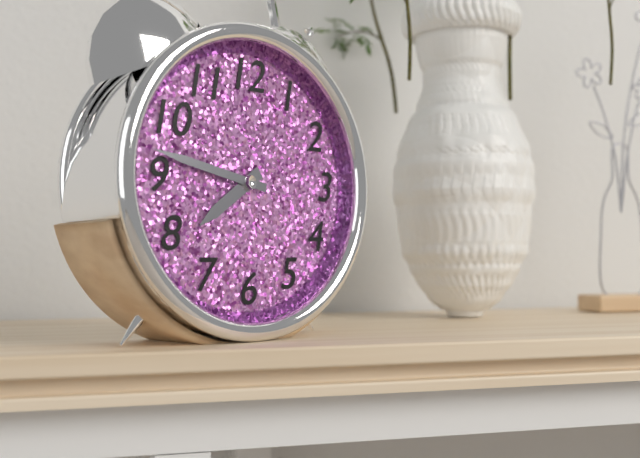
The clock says 7,47
